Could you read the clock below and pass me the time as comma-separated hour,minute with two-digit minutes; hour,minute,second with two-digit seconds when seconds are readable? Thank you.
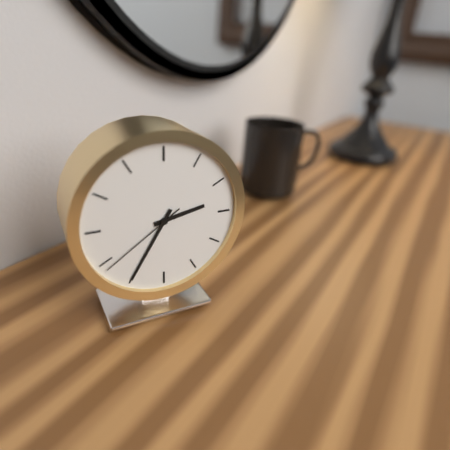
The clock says 2,35,39
